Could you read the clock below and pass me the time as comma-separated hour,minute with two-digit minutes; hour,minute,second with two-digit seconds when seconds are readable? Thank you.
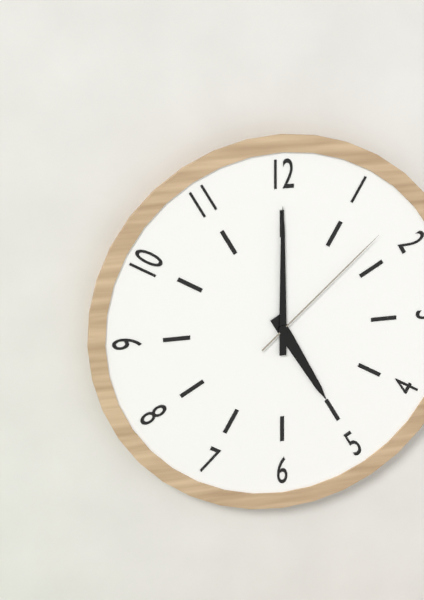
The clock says 5,00,08
